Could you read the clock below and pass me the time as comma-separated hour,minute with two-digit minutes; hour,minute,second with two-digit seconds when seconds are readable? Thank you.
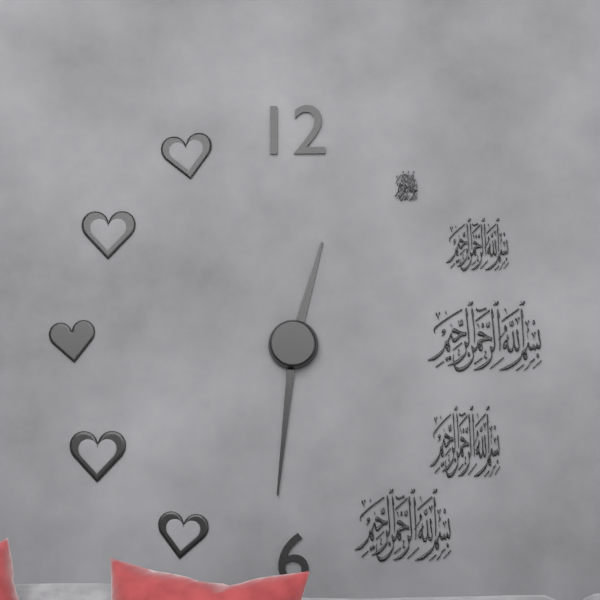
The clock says 12,31
